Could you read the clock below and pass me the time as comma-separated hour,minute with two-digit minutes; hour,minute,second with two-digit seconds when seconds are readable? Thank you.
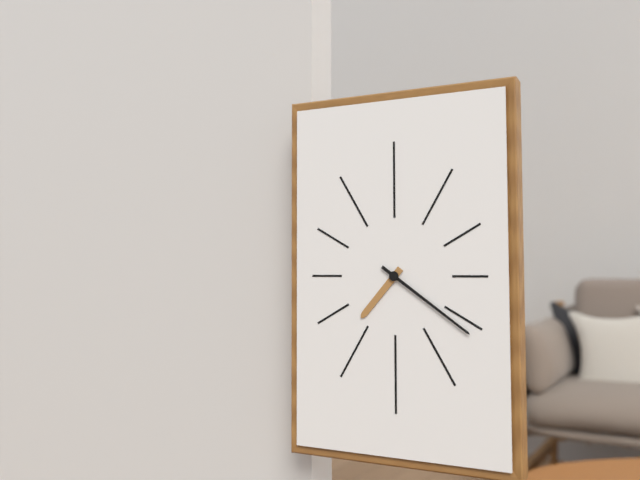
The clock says 7,21
